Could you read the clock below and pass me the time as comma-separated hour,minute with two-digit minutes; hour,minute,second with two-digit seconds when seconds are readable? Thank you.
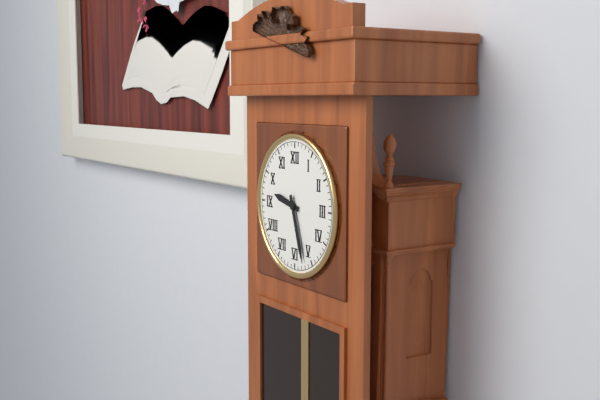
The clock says 9,27
